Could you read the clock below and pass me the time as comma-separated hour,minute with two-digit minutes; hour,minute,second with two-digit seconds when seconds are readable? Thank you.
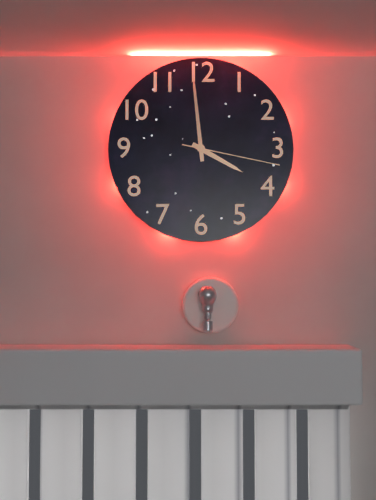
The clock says 3,59,17
